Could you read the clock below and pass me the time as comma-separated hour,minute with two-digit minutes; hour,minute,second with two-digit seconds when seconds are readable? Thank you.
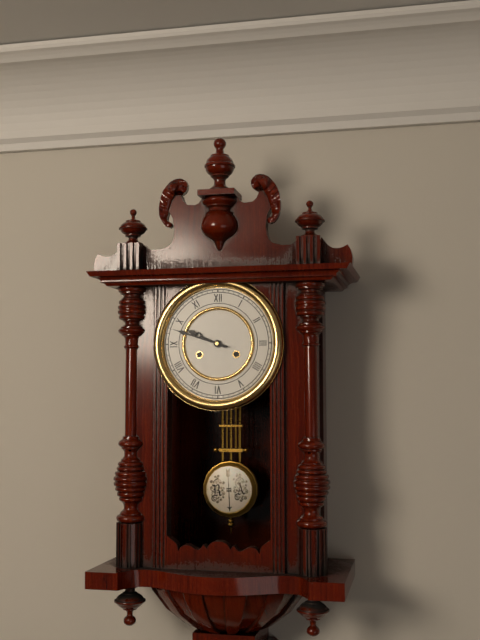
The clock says 9,48
